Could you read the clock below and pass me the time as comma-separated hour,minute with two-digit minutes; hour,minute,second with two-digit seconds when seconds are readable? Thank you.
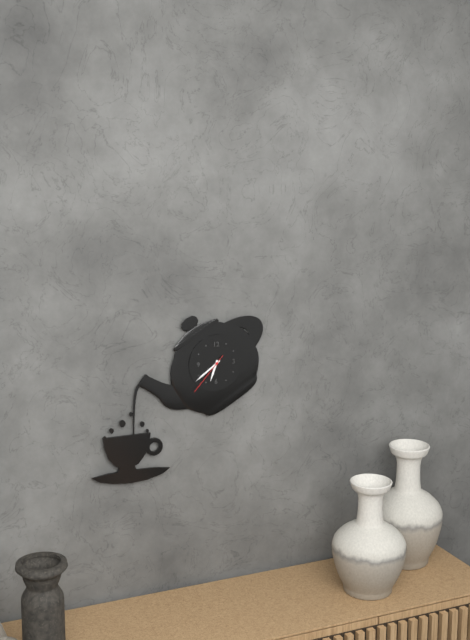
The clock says 6,39
